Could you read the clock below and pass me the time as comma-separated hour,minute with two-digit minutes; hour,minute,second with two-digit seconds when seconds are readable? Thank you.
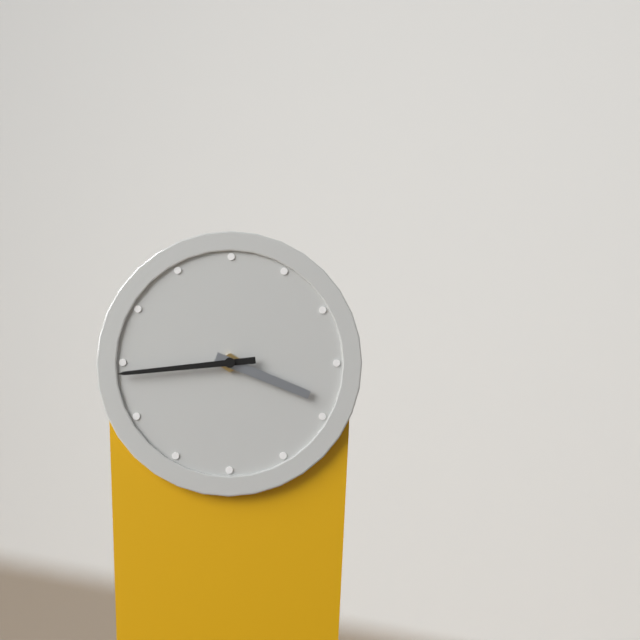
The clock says 3,44
